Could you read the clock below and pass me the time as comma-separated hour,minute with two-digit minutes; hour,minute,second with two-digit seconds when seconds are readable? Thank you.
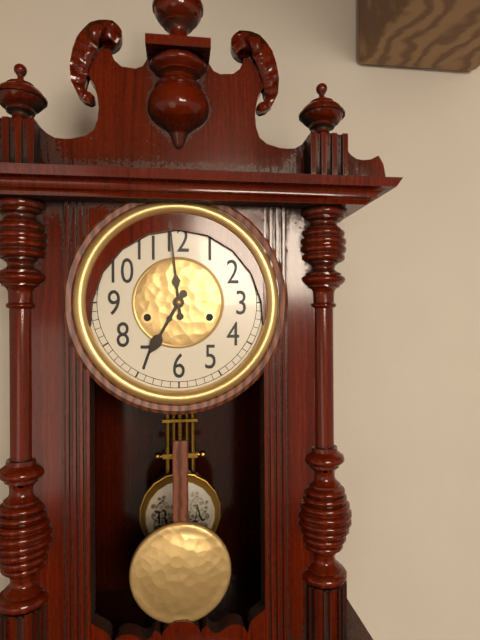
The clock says 6,59
